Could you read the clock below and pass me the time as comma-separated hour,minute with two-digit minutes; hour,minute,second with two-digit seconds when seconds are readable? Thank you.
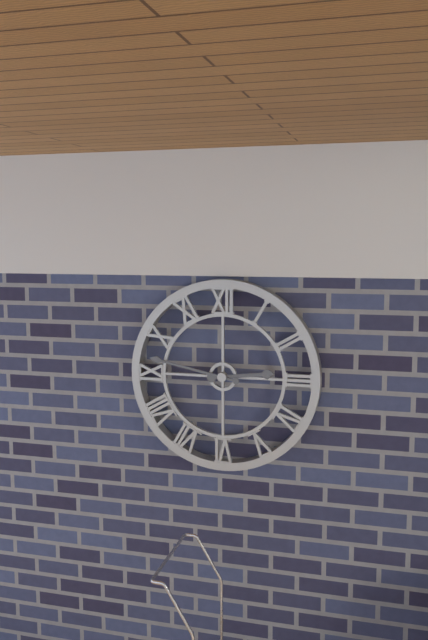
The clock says 2,47
